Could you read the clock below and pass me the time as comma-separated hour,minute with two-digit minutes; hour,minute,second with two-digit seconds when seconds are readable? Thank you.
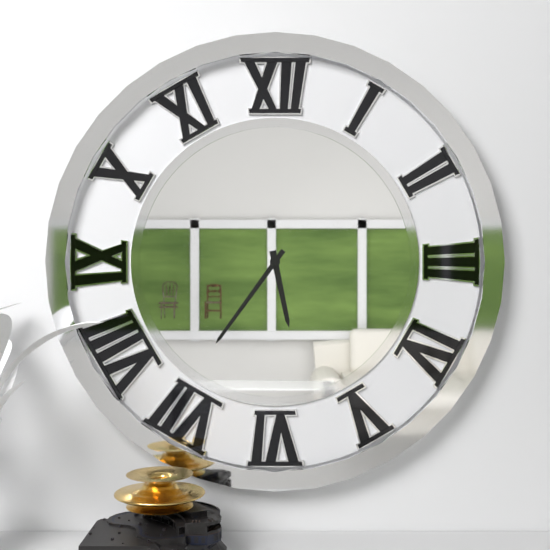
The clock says 5,36
